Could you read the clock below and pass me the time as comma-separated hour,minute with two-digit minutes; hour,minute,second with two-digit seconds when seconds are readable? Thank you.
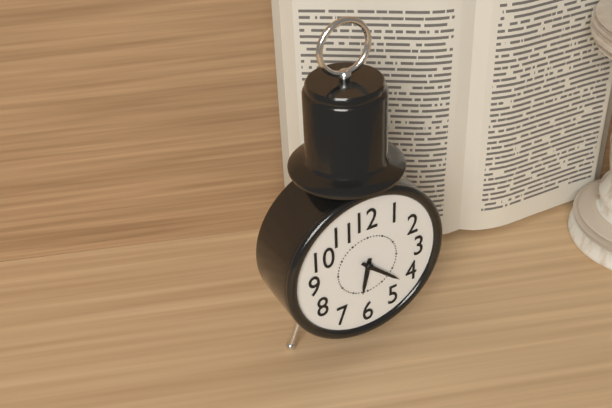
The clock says 6,22
